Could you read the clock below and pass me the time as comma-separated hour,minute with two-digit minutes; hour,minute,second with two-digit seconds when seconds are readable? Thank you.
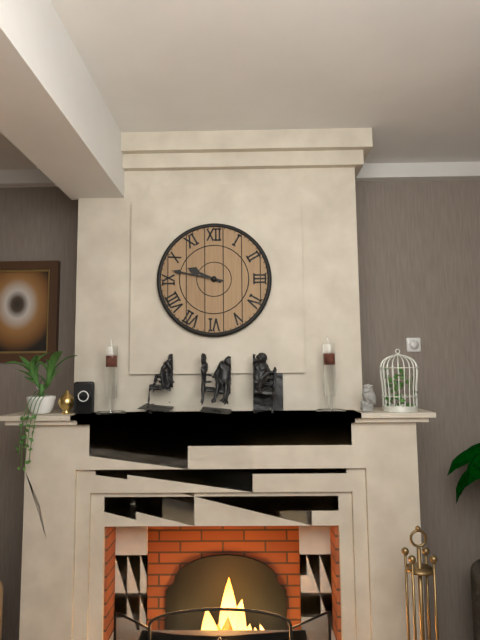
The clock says 9,47
